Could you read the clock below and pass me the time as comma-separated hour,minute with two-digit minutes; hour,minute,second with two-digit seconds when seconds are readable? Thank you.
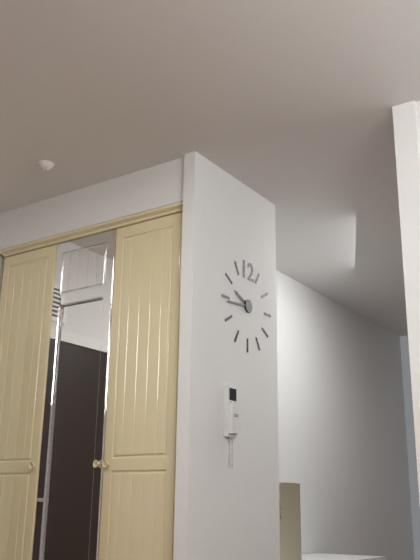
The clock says 9,44
